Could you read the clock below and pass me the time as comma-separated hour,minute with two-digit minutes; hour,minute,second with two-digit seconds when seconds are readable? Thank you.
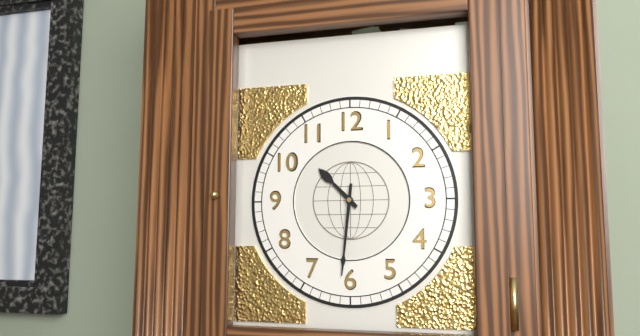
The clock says 10,31
